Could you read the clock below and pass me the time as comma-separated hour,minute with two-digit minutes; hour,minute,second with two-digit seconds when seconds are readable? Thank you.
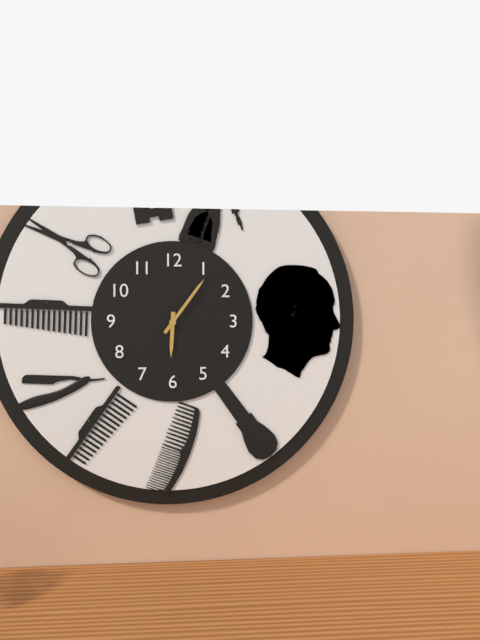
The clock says 6,06
